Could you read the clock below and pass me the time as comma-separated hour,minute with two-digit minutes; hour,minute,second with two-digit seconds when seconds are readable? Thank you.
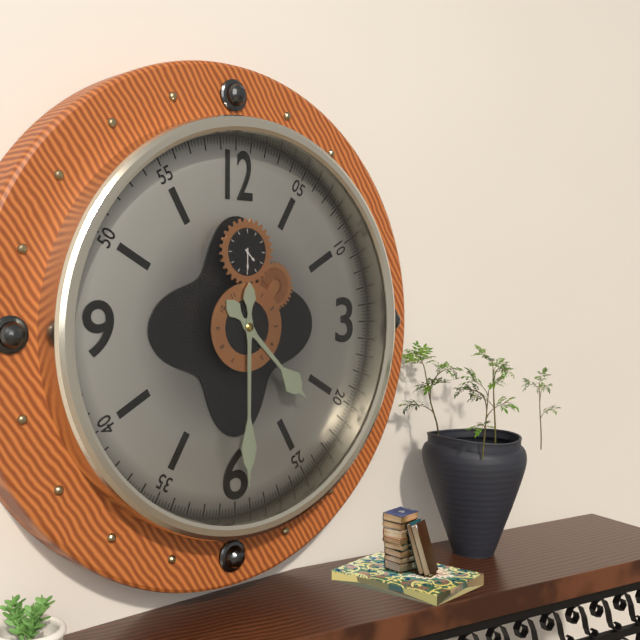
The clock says 4,30
